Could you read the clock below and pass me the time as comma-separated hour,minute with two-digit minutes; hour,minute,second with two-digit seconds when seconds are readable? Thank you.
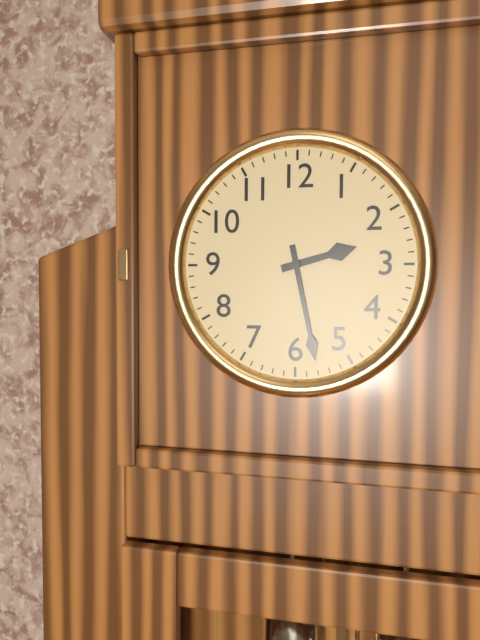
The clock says 2,28
